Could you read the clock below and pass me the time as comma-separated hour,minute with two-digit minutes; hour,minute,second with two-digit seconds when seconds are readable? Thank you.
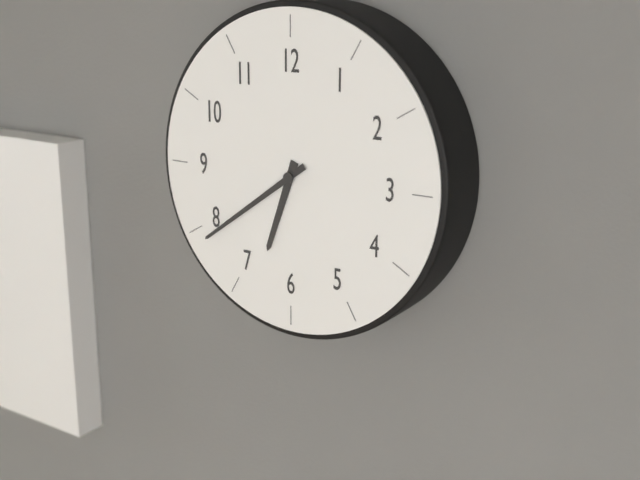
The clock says 6,39
